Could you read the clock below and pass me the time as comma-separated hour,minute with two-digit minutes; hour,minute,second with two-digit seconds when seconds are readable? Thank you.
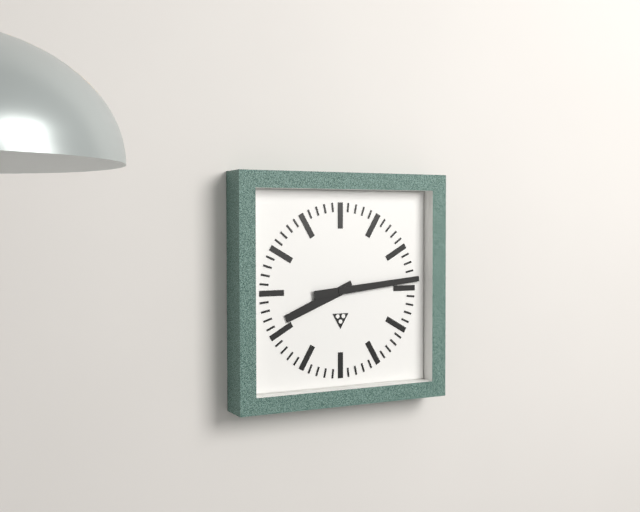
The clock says 8,14
